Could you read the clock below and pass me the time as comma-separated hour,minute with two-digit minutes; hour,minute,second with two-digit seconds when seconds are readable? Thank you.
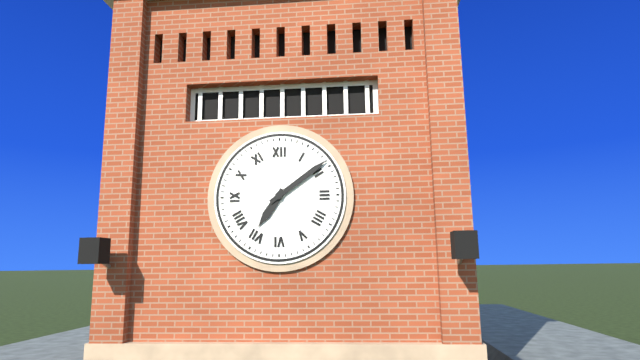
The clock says 7,09
